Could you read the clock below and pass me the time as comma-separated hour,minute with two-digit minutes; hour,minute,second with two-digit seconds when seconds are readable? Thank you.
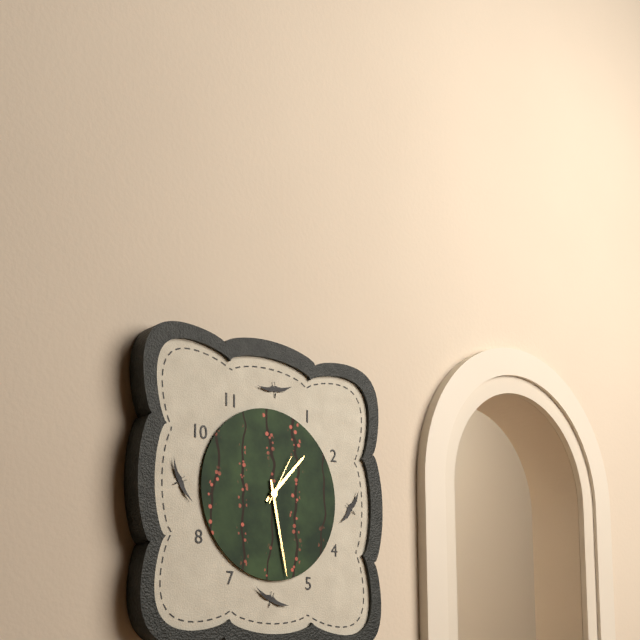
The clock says 1,28,05
